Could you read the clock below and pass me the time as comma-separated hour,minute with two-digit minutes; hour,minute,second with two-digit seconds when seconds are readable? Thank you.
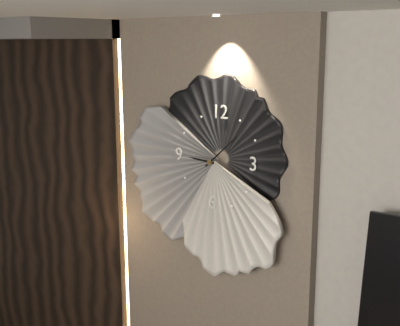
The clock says 9,08
